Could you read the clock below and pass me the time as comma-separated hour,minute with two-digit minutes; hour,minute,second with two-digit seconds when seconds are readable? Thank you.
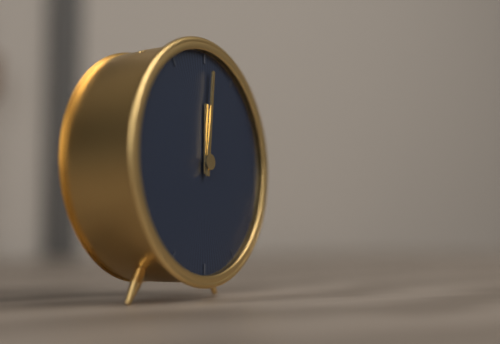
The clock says 12,01
